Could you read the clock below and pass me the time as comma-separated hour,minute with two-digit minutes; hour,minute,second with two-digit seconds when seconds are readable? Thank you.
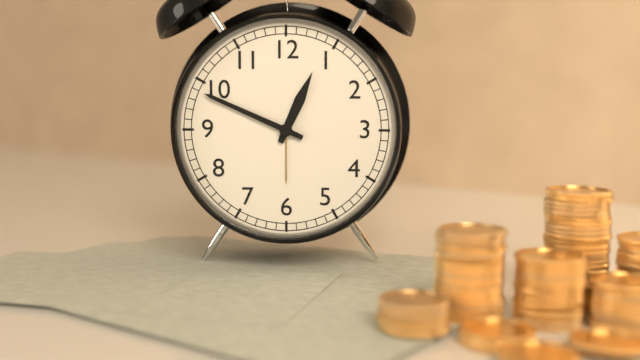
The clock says 12,49
